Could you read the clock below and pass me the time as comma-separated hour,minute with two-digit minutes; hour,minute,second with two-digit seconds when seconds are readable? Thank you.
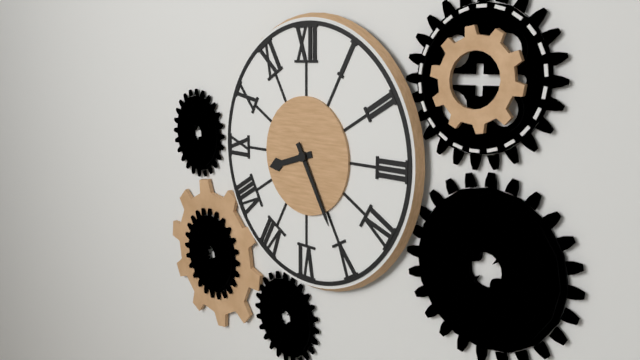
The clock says 8,25
